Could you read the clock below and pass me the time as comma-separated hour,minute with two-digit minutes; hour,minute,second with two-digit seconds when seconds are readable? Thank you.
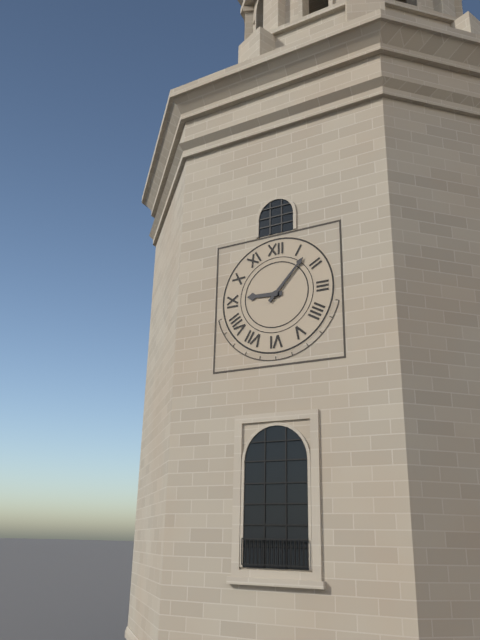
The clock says 9,07
